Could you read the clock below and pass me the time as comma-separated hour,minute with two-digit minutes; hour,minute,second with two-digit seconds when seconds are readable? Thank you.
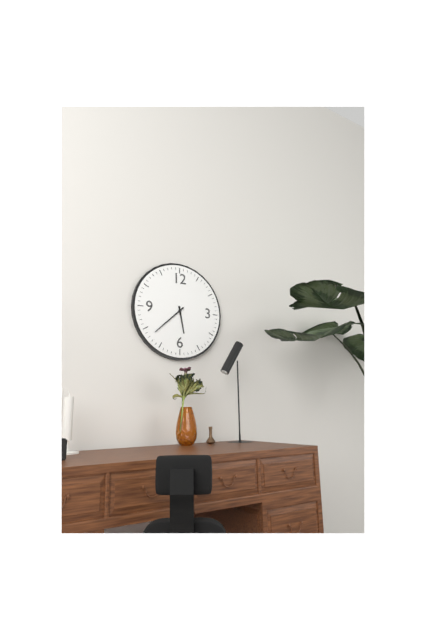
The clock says 5,38
